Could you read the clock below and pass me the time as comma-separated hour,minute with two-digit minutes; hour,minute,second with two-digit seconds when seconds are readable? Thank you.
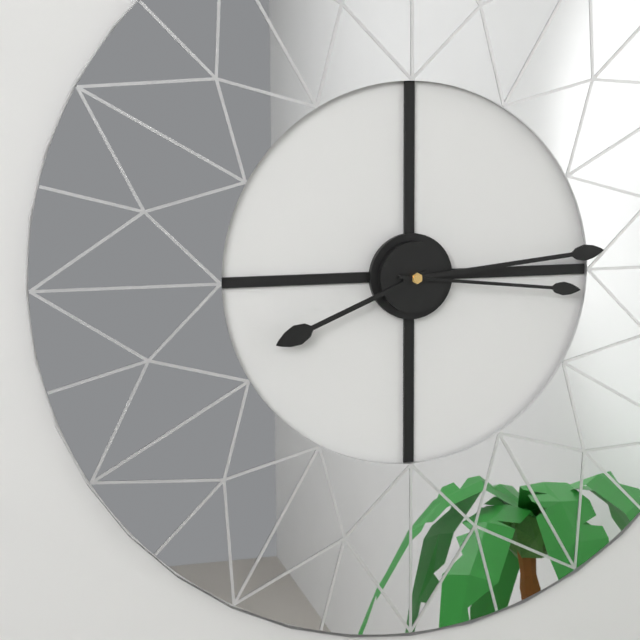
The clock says 8,14,16
